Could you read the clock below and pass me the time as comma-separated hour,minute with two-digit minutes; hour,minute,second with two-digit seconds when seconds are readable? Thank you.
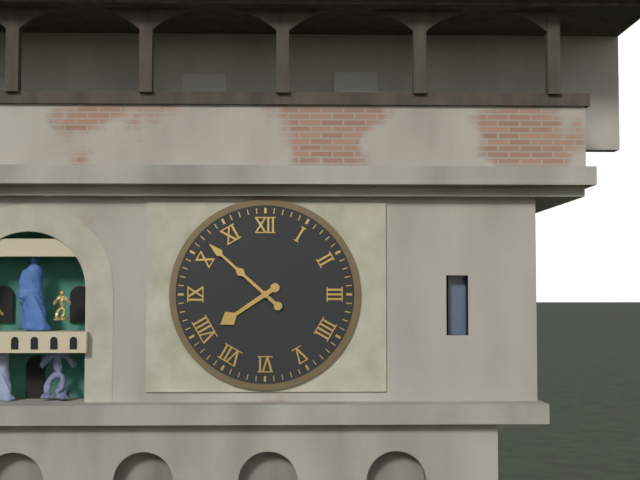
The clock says 7,52
